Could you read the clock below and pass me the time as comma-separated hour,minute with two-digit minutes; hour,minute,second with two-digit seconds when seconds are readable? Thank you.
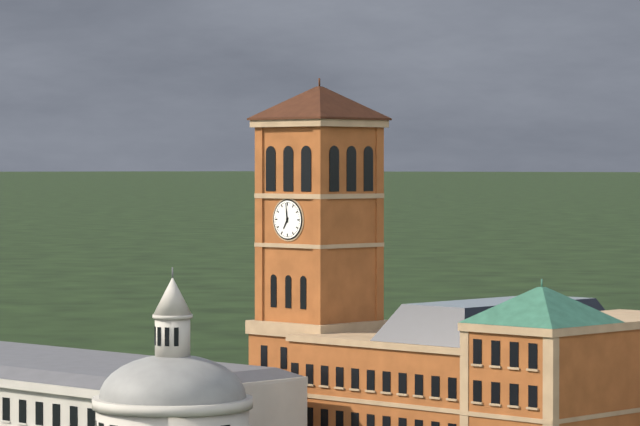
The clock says 6,59
